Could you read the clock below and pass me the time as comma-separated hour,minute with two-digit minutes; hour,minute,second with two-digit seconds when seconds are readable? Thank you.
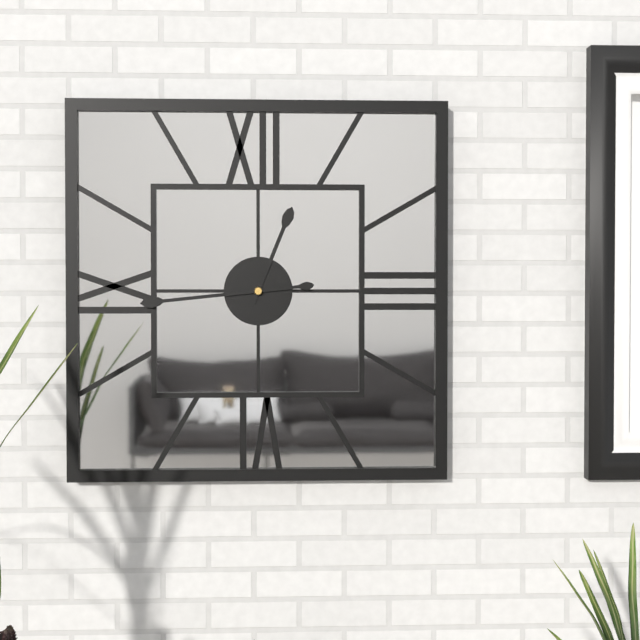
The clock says 12,44
